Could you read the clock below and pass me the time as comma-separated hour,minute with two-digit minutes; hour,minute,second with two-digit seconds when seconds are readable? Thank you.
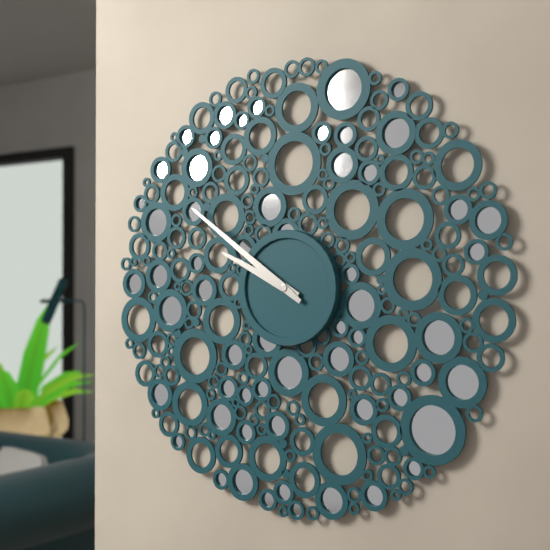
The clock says 9,51
